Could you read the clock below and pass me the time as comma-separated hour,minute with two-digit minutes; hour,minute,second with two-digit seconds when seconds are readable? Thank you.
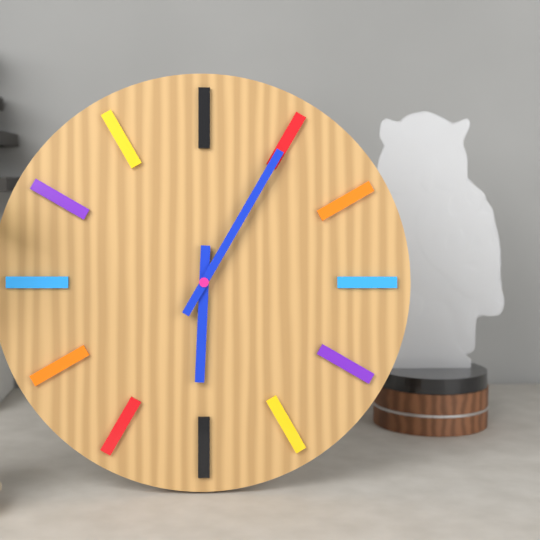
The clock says 6,05
